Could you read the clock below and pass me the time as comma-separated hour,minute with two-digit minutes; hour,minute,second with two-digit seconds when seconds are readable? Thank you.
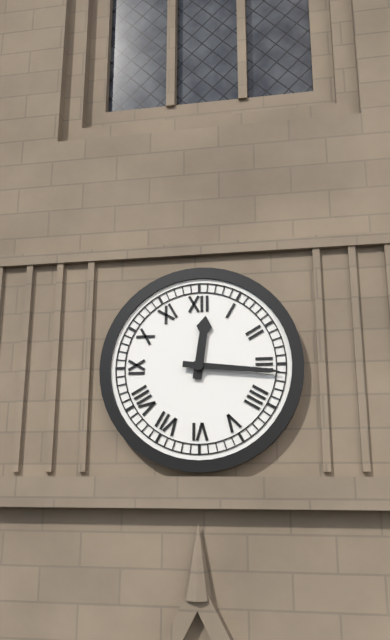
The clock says 12,16
